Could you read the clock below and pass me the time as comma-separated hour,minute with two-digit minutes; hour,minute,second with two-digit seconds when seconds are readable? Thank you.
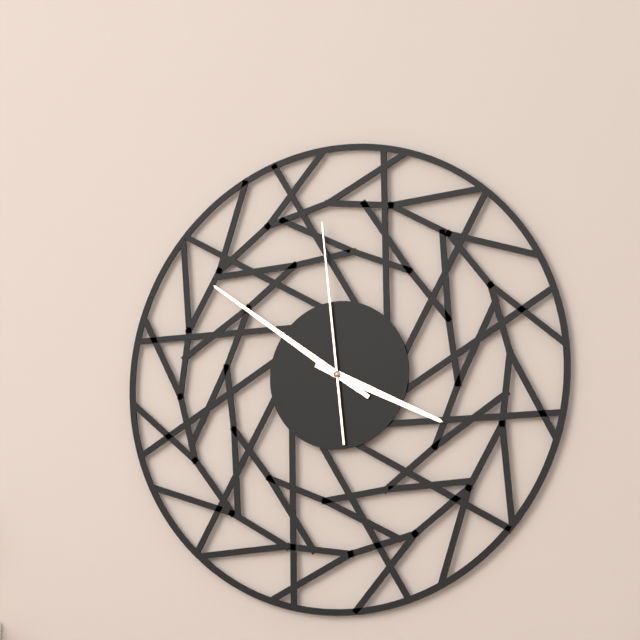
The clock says 3,51,59
